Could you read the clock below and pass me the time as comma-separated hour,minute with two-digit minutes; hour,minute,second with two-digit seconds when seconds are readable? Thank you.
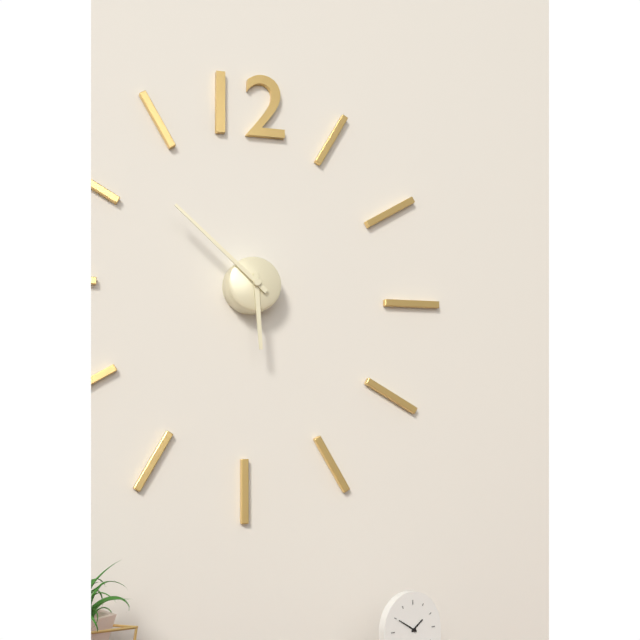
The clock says 5,52
